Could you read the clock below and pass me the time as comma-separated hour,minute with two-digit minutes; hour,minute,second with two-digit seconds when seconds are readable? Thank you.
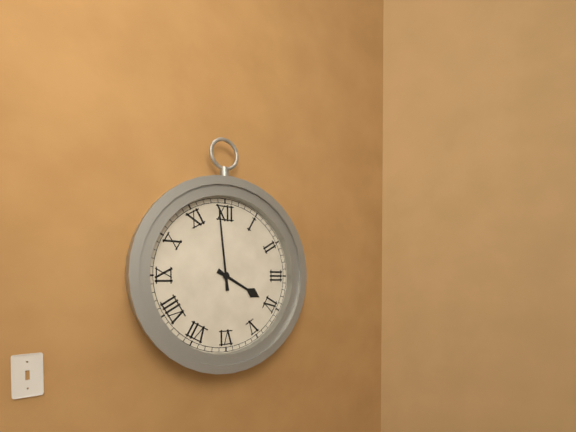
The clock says 3,59
